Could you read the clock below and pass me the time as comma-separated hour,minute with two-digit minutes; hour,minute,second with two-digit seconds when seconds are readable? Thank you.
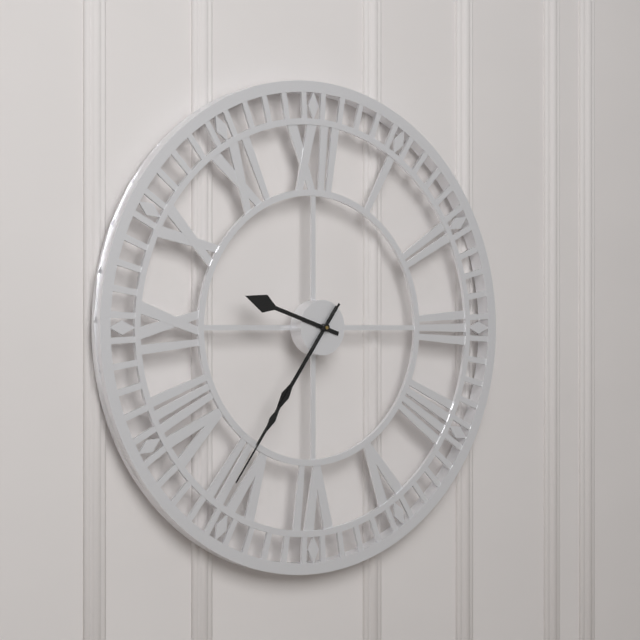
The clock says 9,36,36
